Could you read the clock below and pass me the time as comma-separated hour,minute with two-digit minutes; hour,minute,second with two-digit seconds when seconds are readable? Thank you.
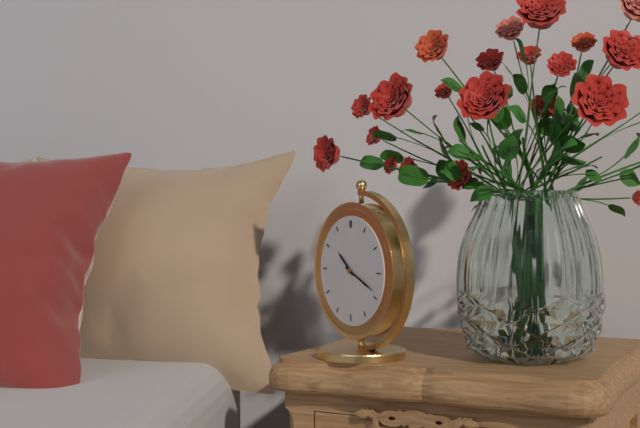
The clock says 10,19
